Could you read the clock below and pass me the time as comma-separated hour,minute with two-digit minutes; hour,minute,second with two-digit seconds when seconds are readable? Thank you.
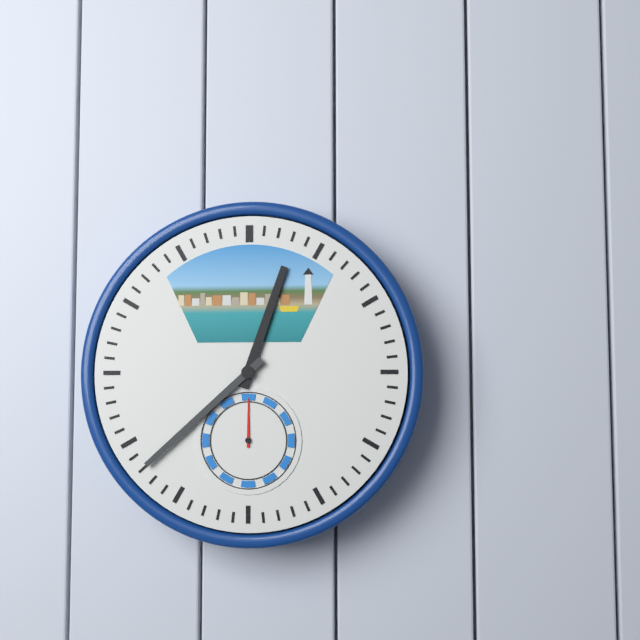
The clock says 12,38
